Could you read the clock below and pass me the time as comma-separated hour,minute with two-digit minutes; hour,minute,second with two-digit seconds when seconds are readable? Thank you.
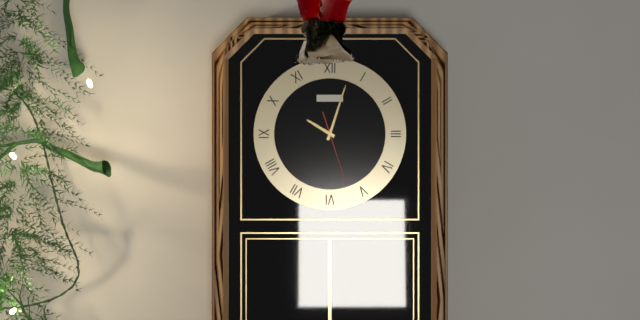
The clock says 10,03,27
